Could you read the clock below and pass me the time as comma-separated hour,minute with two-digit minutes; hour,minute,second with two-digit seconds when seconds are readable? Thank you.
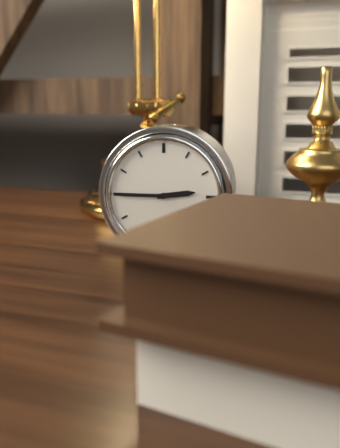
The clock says 2,45
